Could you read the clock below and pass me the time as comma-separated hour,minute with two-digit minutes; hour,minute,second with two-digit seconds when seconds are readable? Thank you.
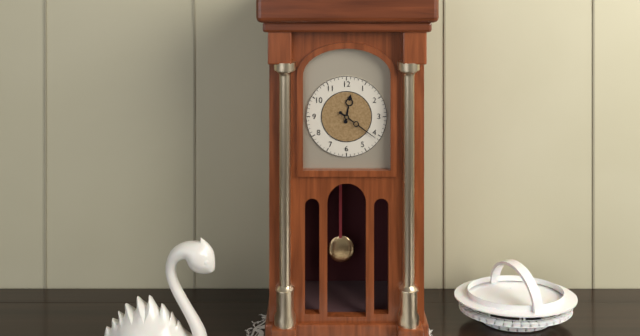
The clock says 12,21
